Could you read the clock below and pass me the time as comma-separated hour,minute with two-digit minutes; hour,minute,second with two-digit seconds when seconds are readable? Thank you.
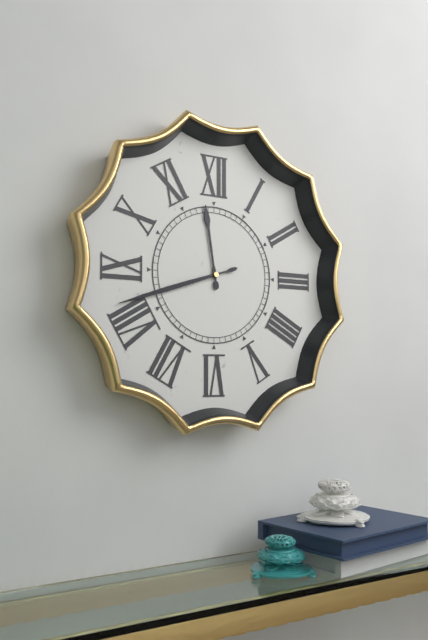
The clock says 11,42
